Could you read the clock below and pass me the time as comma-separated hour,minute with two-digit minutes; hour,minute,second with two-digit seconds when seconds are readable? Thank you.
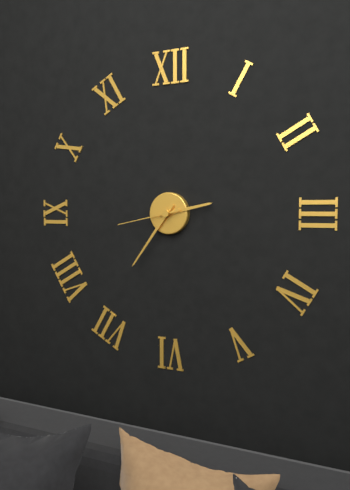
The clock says 2,36,43
